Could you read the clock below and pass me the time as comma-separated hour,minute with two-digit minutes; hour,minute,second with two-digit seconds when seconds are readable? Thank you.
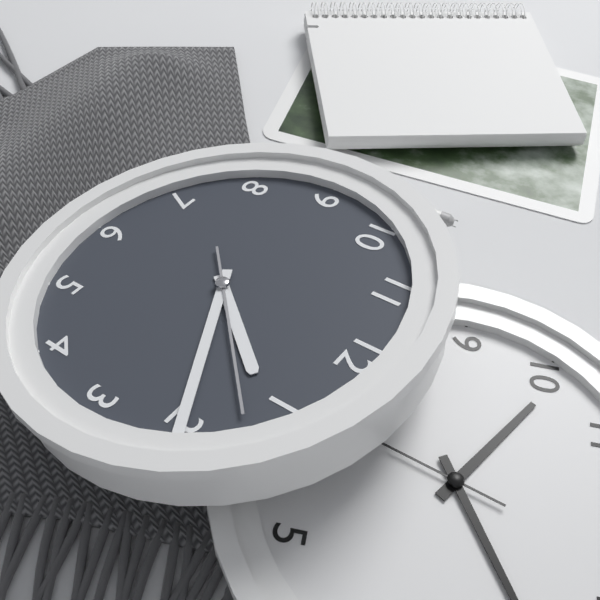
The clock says 1,10,07
